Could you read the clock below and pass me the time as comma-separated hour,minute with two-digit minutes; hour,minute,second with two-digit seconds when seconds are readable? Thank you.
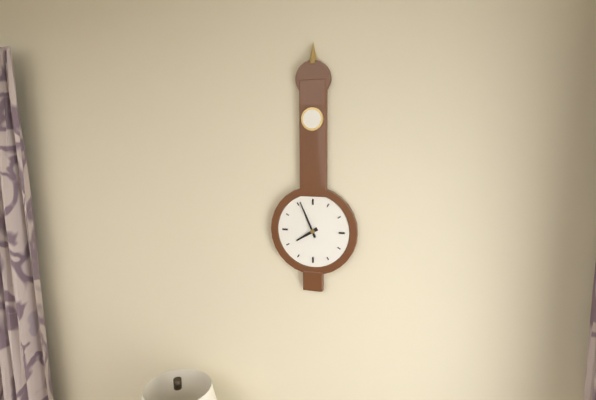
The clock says 7,56
